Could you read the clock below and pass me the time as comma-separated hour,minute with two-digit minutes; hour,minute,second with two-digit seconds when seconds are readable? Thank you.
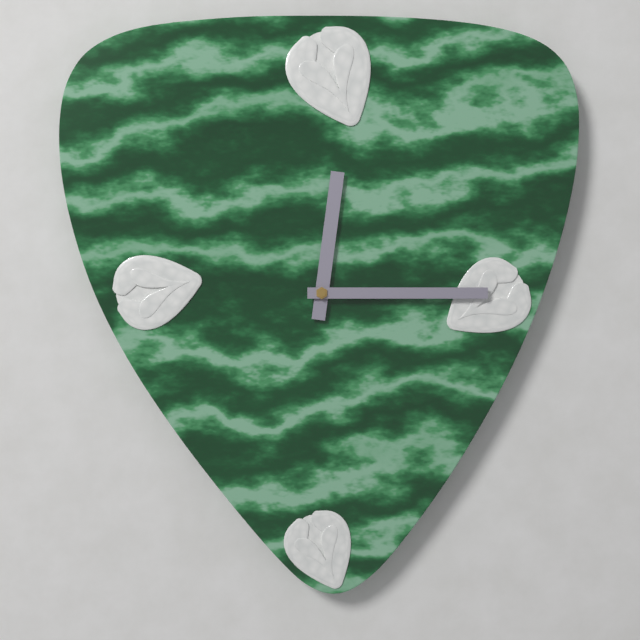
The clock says 12,15
